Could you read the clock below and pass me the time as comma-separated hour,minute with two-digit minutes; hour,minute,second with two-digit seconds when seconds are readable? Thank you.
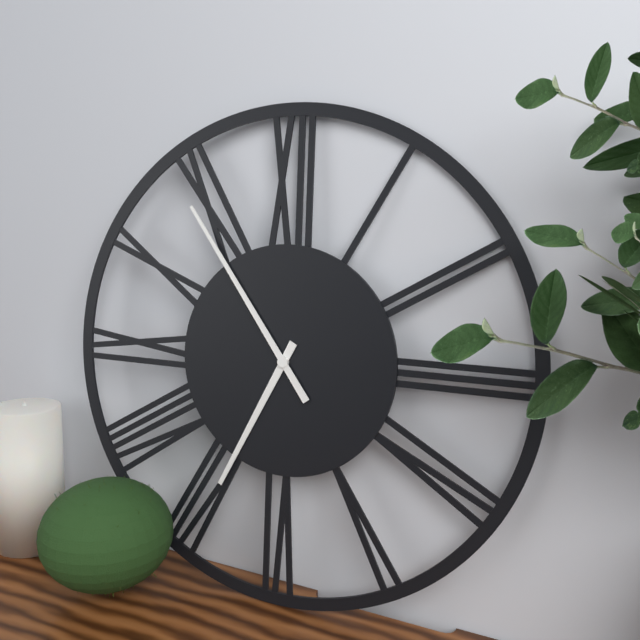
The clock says 6,54
